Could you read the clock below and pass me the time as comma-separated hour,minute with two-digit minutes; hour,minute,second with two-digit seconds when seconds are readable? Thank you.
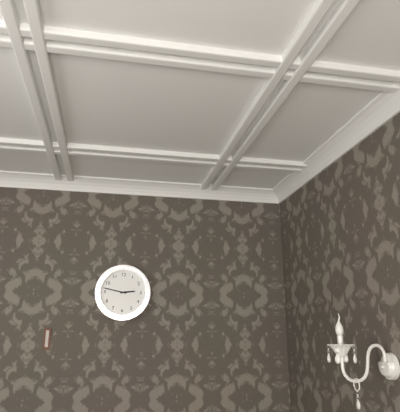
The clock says 2,47
